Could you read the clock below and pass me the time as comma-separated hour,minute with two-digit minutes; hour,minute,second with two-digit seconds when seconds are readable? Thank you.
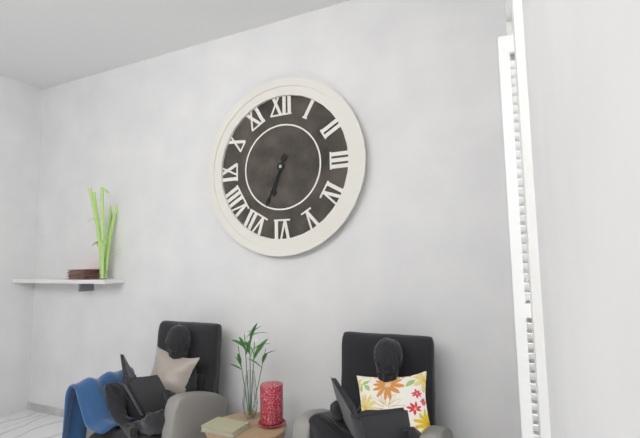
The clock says 6,34
